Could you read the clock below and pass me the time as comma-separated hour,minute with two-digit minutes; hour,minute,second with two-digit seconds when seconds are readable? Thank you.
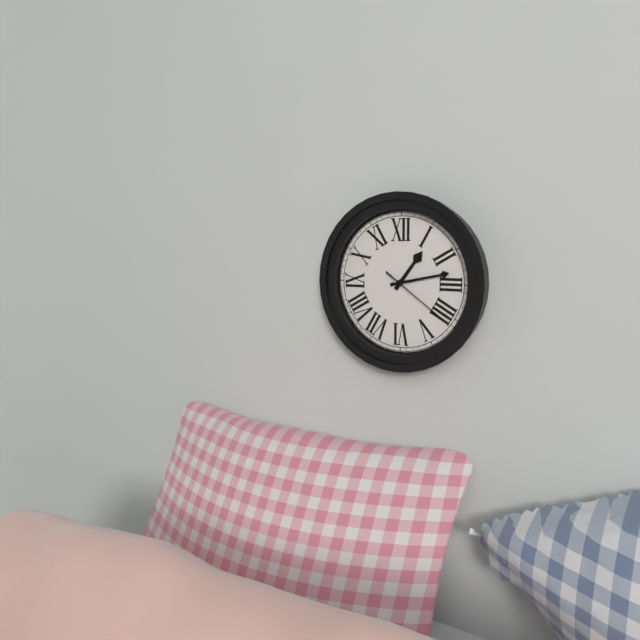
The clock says 1,13,21
